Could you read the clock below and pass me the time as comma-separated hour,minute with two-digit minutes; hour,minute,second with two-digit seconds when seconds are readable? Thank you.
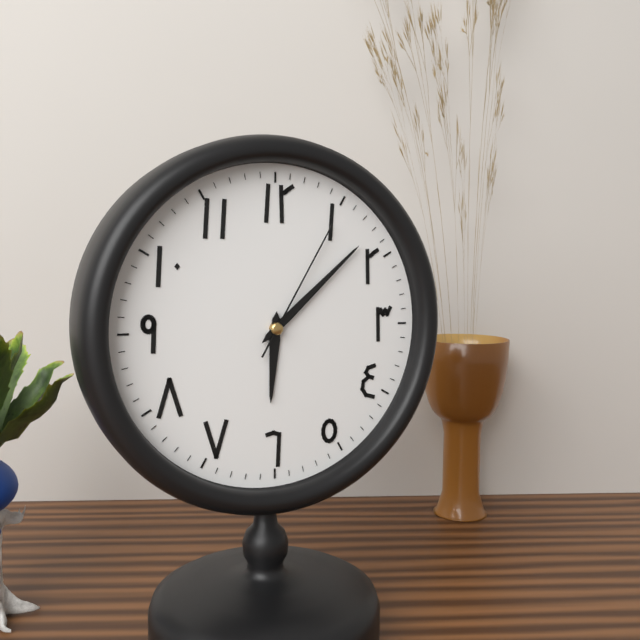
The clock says 6,08,05
